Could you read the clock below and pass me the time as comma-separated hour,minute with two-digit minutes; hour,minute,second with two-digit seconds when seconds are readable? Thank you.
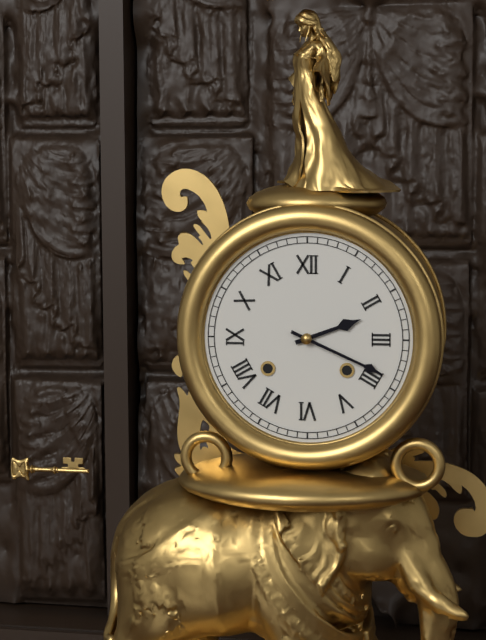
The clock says 2,19
